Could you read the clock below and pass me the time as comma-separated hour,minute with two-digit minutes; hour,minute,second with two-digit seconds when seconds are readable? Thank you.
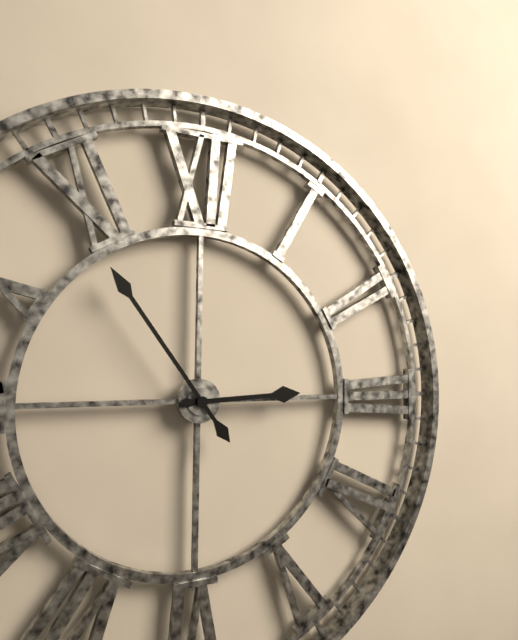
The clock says 2,54
